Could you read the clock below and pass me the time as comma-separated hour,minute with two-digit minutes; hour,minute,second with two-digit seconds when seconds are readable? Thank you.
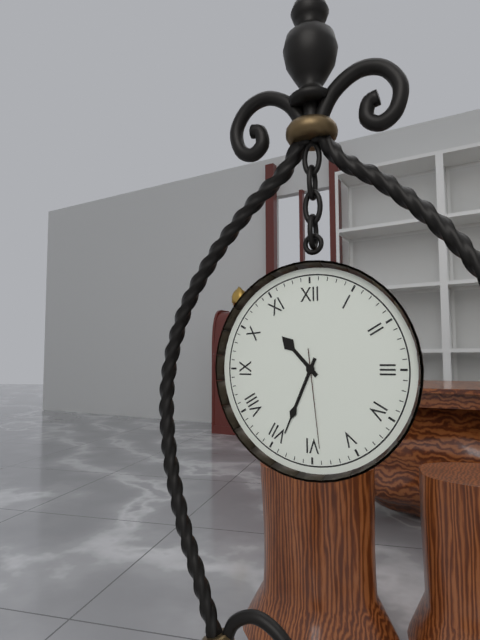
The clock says 10,34,29
